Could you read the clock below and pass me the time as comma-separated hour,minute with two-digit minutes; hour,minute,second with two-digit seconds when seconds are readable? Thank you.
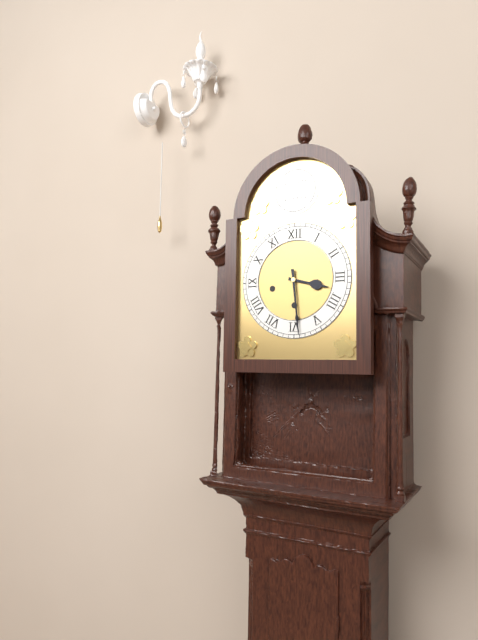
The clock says 3,29
